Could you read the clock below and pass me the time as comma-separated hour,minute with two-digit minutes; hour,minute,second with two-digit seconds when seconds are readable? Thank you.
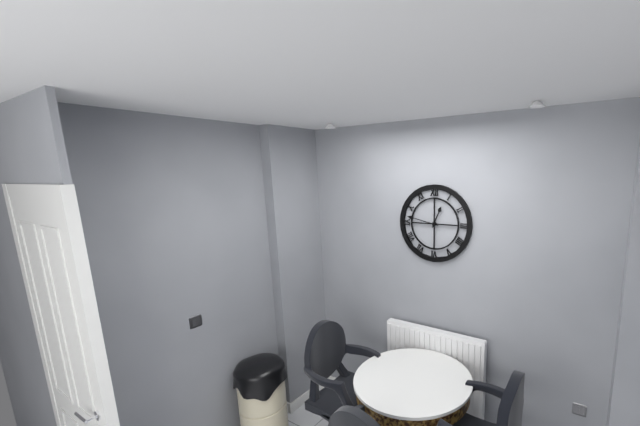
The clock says 12,47
